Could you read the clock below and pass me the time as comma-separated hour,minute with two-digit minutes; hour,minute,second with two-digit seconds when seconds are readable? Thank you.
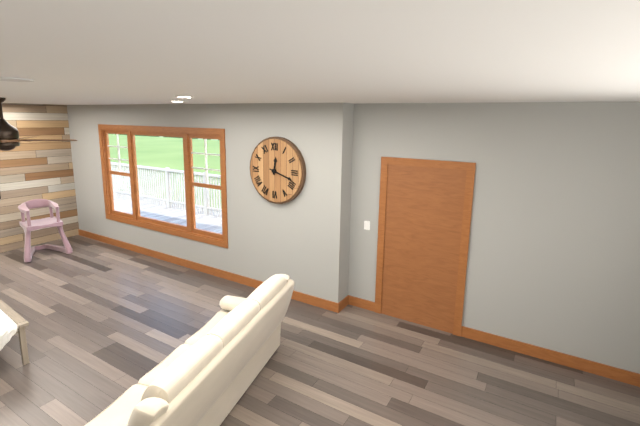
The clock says 12,18
